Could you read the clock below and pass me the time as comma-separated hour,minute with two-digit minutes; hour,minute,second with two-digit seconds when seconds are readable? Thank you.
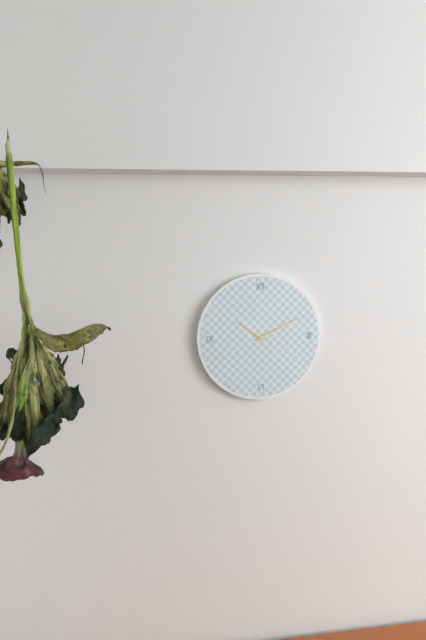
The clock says 10,11
